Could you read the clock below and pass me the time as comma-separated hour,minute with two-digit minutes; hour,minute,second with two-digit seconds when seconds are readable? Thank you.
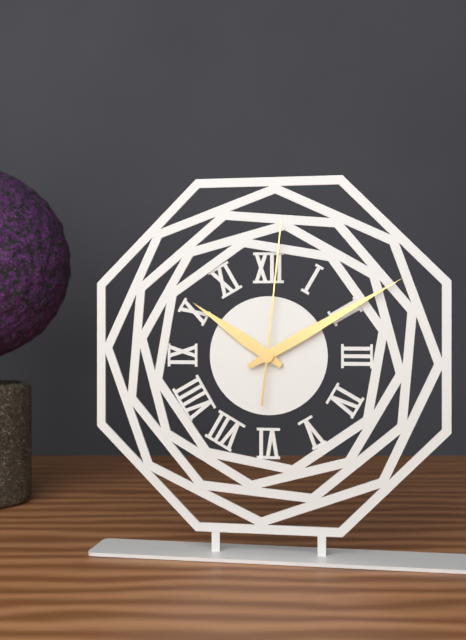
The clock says 10,10,01
